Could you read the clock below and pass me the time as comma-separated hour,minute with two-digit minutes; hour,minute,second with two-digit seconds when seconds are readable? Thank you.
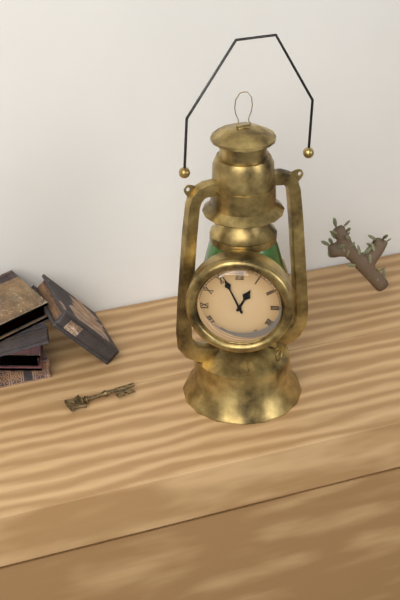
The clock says 12,56
